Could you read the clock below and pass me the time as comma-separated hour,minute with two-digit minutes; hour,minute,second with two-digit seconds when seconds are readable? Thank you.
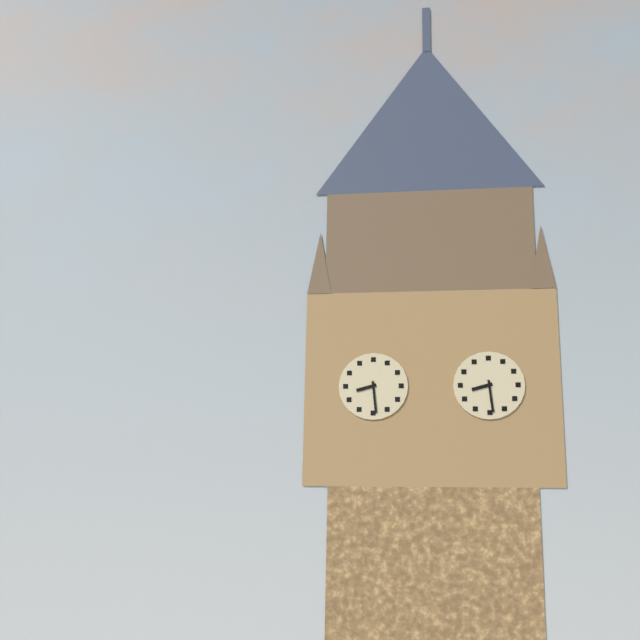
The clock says 8,29
